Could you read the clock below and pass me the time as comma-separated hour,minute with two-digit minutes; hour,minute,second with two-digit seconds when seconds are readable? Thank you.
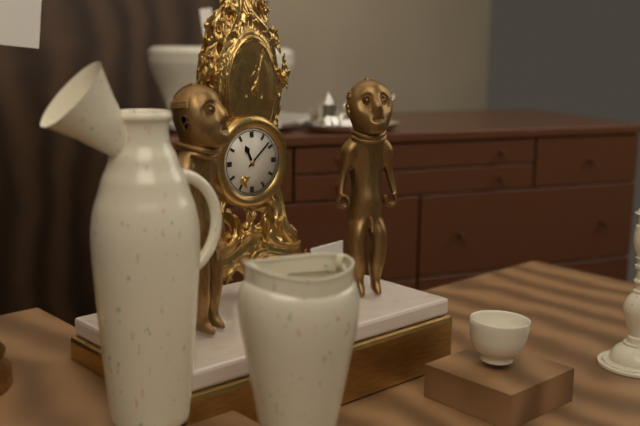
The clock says 11,08
